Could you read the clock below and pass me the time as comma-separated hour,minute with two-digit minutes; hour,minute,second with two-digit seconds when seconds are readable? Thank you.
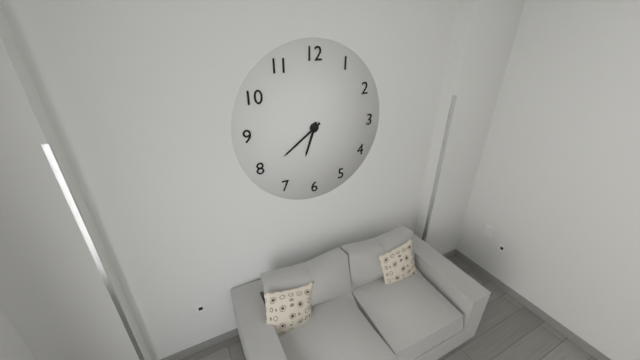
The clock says 6,39
